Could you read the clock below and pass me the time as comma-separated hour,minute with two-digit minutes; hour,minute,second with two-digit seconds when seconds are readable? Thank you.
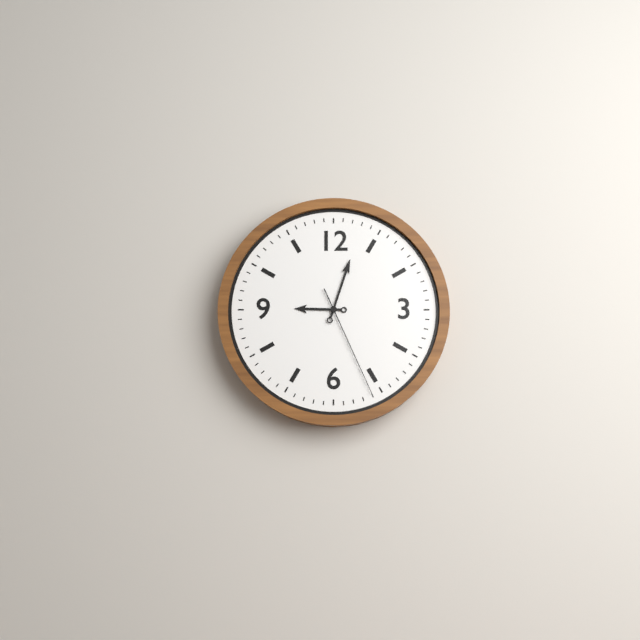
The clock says 9,03,26
